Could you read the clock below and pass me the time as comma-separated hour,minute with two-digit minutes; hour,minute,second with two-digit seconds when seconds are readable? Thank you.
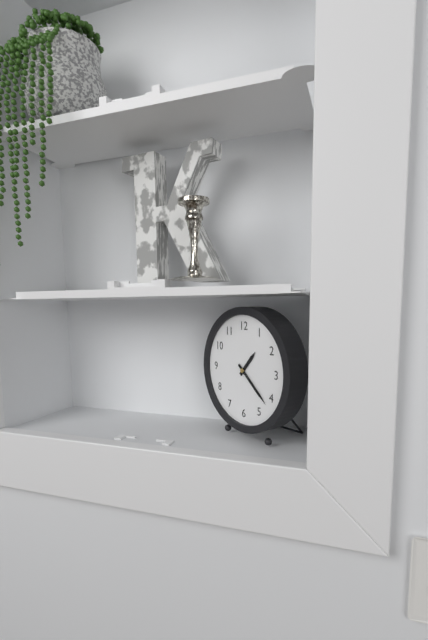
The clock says 1,22
